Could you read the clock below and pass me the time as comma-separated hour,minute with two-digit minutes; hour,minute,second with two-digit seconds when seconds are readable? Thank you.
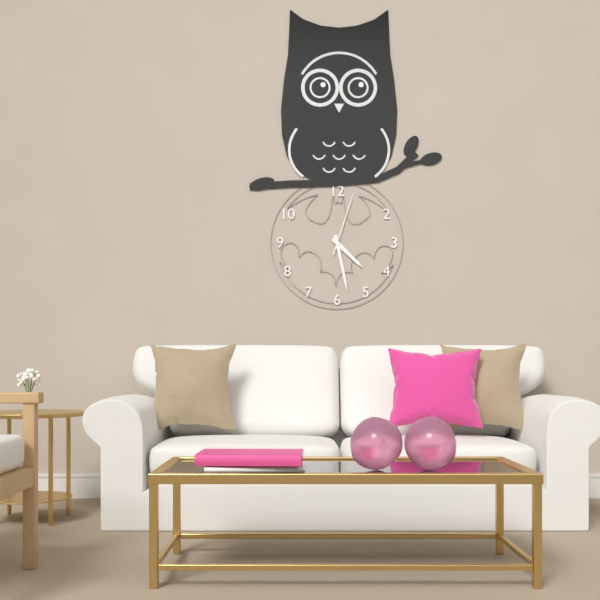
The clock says 4,28,03
